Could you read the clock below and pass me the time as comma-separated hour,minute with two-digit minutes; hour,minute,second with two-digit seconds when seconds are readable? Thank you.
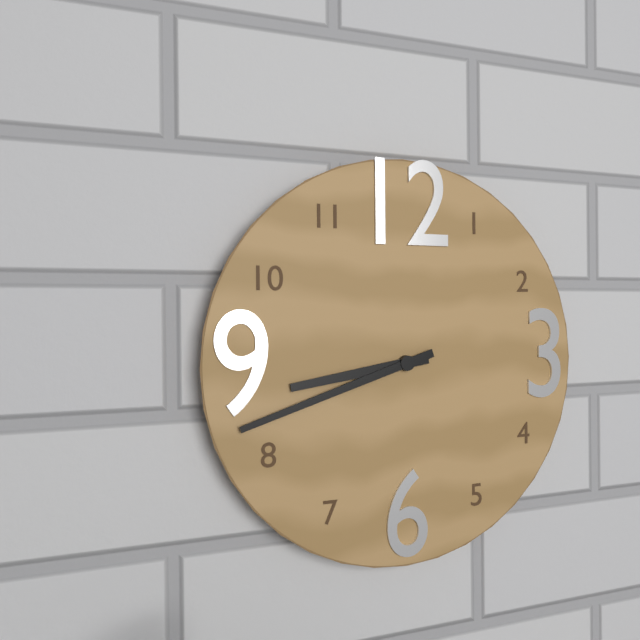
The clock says 8,42
